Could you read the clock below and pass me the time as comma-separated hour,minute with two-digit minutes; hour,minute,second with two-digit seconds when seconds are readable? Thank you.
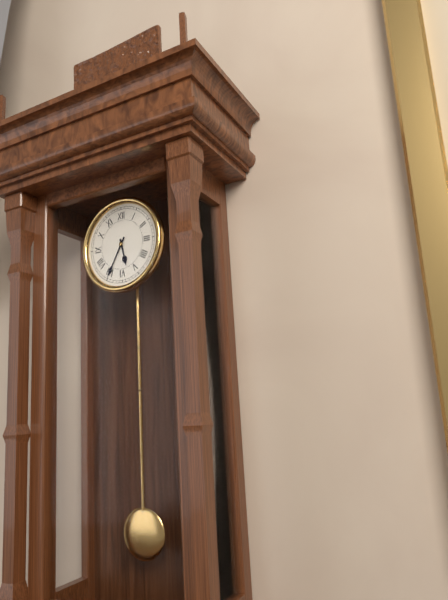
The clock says 5,35
